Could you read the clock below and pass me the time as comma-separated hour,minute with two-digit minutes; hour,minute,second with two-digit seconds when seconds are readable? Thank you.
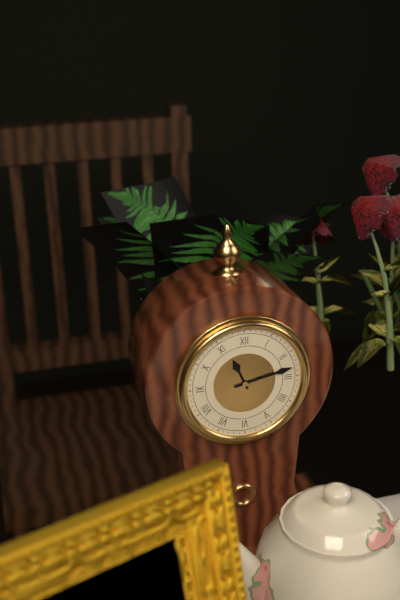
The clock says 11,13
